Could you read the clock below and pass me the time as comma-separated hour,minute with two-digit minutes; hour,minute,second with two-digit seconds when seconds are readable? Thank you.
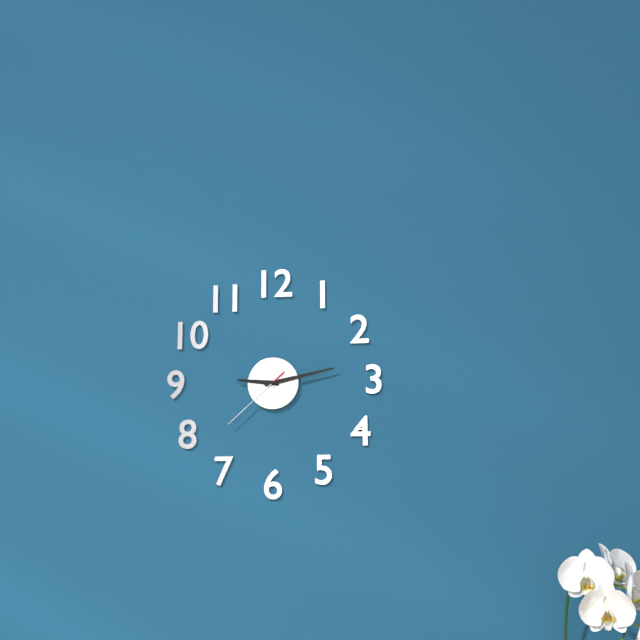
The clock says 9,13,38
